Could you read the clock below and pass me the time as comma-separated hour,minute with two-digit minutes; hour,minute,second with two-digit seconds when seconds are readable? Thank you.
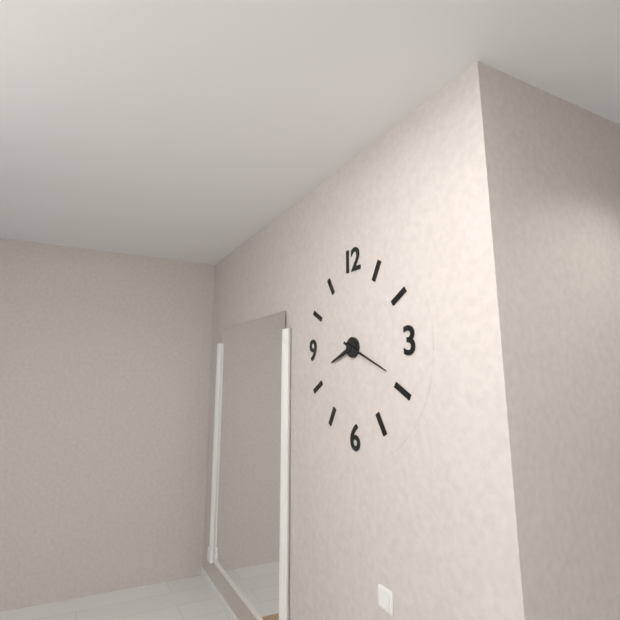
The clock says 8,19
